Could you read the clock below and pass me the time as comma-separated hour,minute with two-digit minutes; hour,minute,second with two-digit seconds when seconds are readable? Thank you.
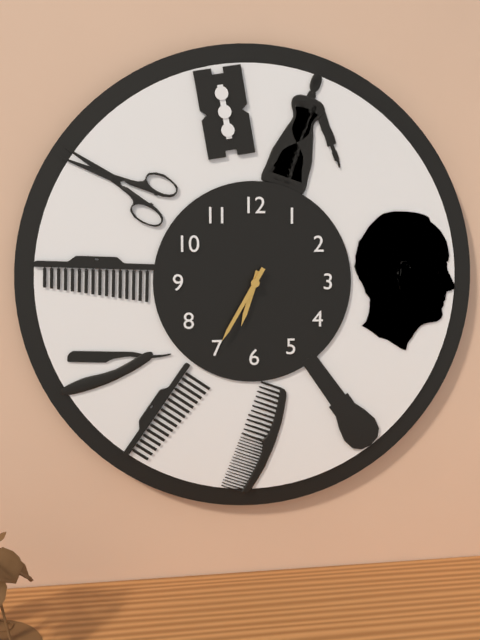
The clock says 6,35
